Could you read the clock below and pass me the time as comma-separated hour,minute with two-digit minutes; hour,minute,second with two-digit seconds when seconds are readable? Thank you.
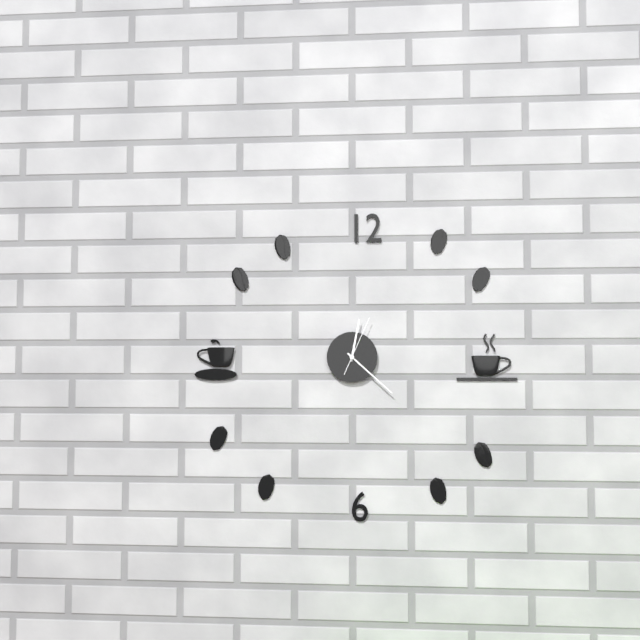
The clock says 12,22,04
